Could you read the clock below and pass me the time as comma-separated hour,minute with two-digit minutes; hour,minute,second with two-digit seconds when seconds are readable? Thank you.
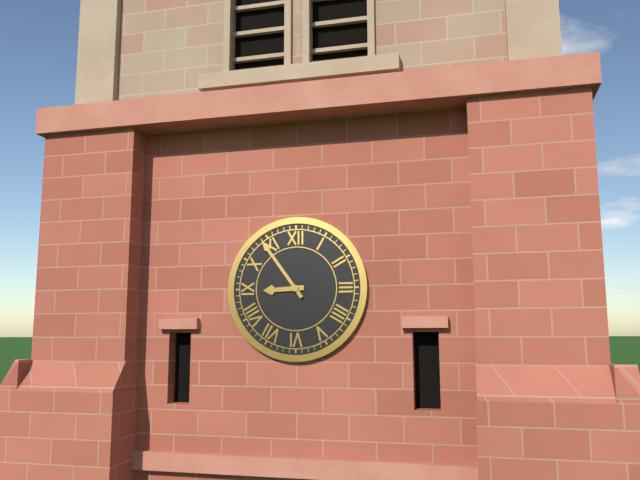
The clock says 8,54
